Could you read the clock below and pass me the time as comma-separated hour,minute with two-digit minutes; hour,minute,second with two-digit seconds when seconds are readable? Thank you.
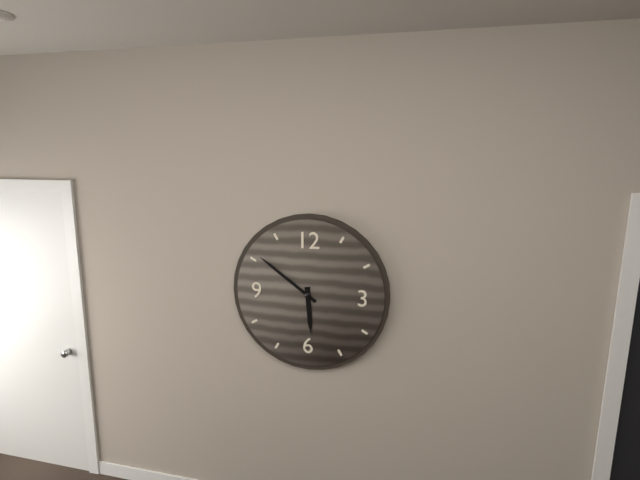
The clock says 5,51
